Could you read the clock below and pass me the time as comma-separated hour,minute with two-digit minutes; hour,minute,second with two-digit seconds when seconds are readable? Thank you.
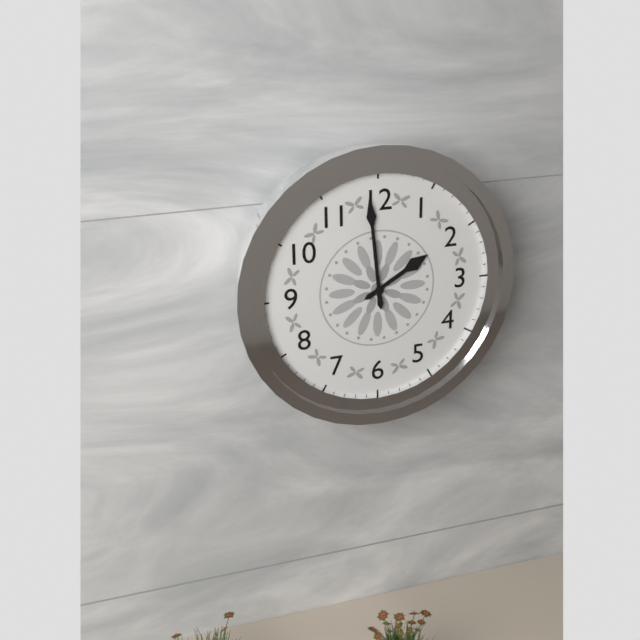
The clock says 1,59
